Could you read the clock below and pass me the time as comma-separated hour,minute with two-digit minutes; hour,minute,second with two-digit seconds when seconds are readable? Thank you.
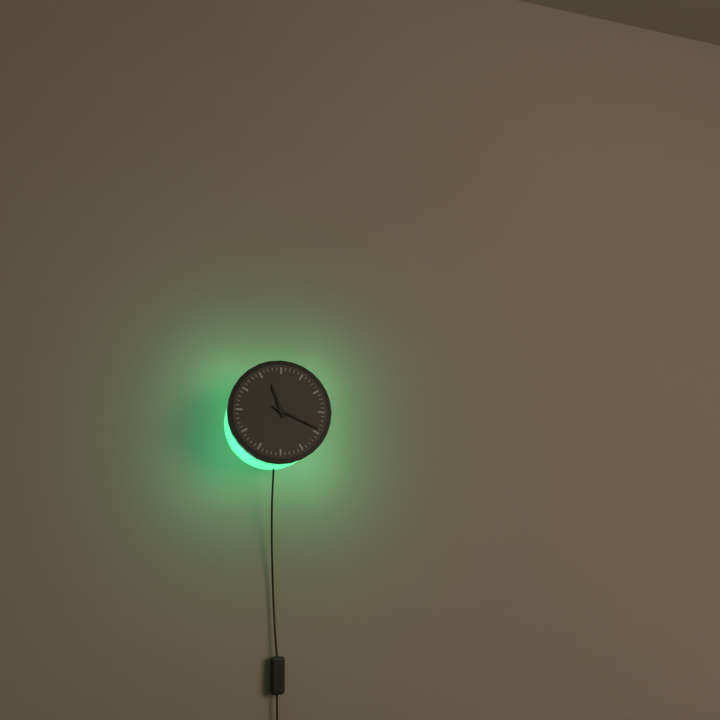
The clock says 11,19
